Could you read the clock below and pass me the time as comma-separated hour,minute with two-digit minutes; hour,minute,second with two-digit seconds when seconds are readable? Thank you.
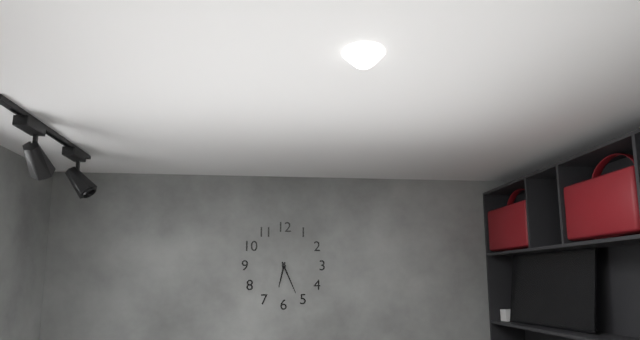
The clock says 6,26
